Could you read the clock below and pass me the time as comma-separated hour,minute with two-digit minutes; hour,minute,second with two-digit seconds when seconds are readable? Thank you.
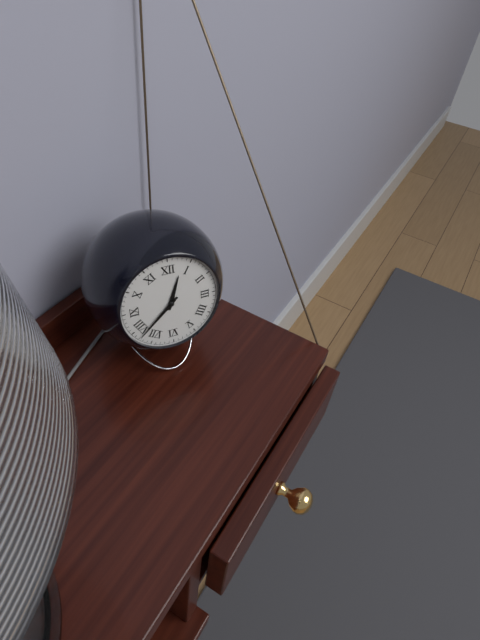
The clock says 12,38
